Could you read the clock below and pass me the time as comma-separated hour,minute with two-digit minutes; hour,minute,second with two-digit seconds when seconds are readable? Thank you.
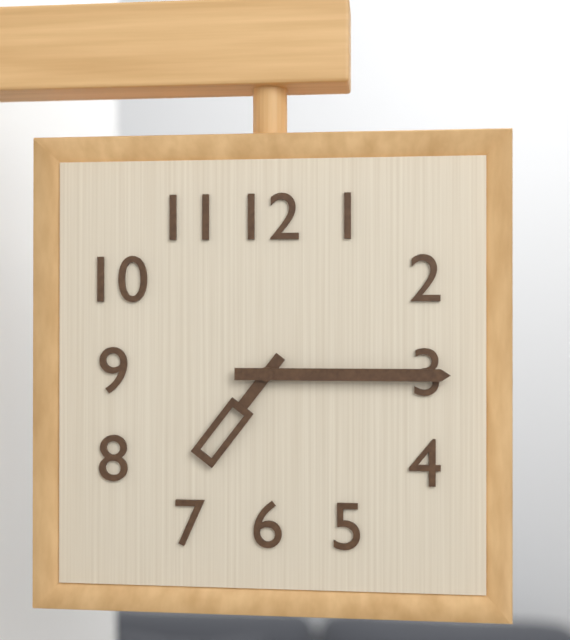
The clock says 7,15
